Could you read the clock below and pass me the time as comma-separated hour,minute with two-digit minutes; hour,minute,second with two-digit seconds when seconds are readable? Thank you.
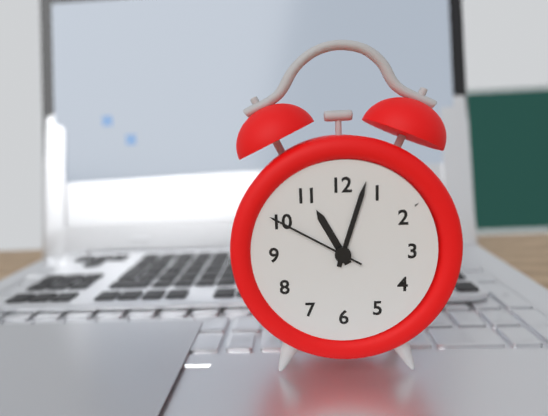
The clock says 11,03,50
